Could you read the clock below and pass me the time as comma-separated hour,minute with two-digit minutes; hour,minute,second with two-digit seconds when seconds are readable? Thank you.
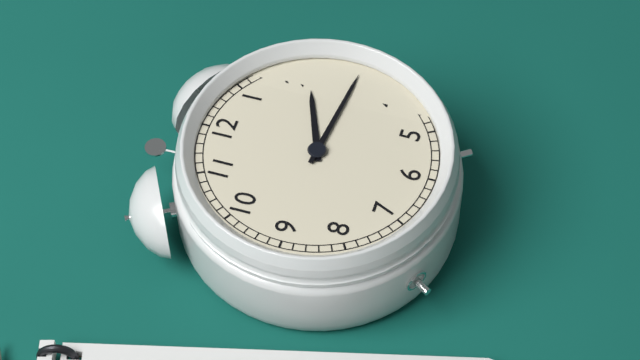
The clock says 2,16
